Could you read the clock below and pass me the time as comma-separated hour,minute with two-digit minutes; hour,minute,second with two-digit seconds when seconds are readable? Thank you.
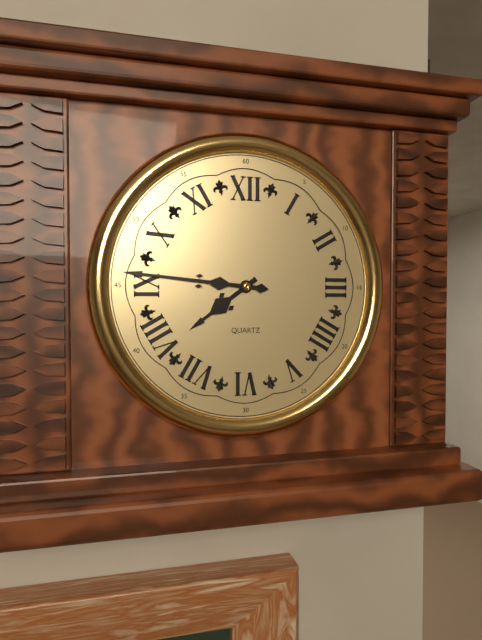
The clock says 7,46
